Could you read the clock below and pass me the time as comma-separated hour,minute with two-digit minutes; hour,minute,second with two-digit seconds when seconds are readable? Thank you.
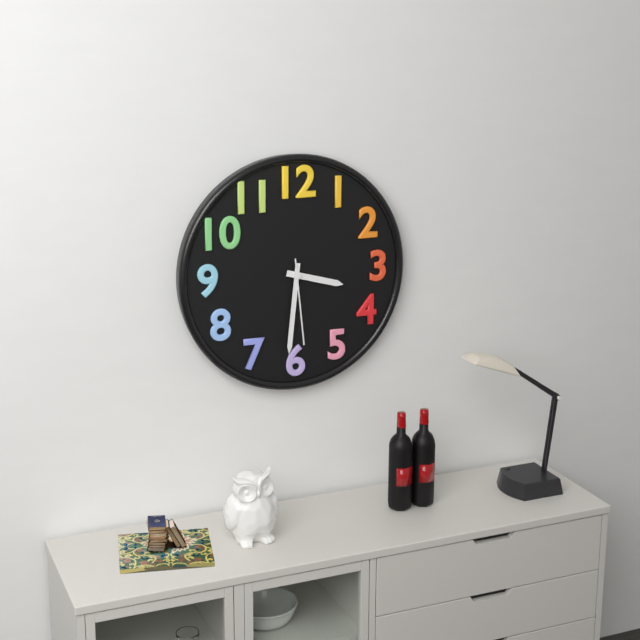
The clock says 3,31,29
